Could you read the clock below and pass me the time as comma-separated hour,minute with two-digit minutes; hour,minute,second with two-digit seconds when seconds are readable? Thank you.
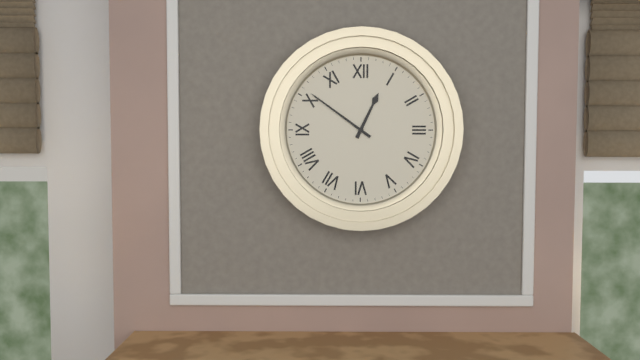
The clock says 12,51
